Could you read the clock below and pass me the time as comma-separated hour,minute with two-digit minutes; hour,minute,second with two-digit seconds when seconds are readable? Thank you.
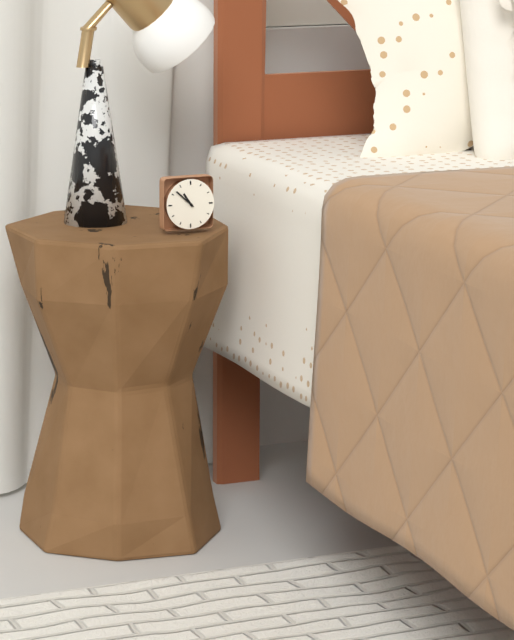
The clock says 10,52
